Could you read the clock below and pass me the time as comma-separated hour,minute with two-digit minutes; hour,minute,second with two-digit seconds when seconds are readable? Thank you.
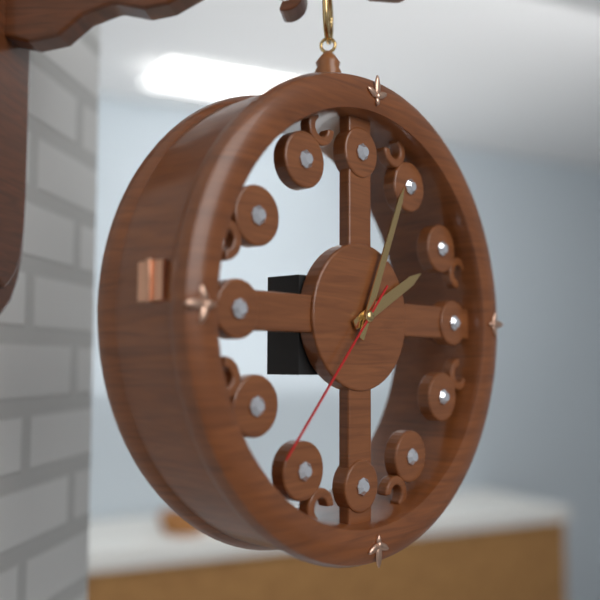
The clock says 2,04,37
